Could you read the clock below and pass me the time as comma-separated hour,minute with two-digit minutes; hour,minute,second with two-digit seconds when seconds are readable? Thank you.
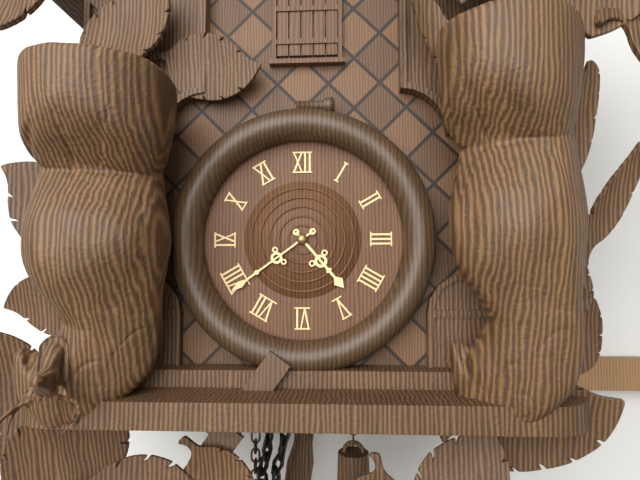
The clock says 4,39
